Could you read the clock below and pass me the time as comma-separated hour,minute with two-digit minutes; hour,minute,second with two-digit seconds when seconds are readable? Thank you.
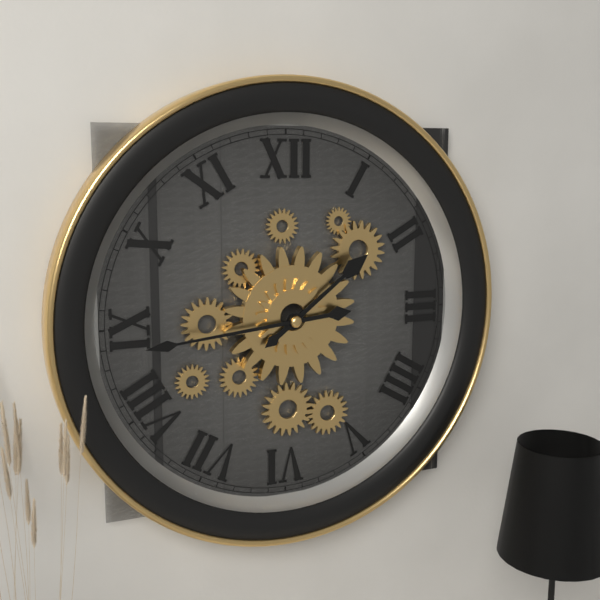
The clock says 1,44
